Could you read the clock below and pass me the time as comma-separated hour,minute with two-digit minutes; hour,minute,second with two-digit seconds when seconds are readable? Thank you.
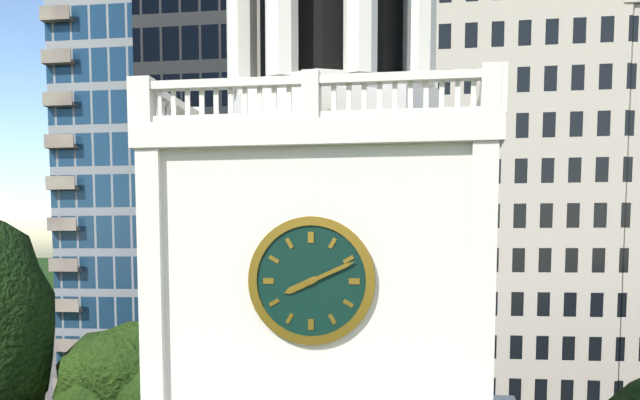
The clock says 8,11
